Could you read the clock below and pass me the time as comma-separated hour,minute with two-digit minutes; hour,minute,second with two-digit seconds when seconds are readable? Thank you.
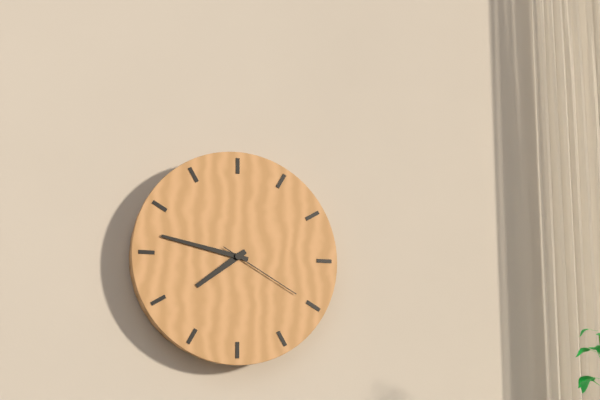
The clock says 7,47,20
